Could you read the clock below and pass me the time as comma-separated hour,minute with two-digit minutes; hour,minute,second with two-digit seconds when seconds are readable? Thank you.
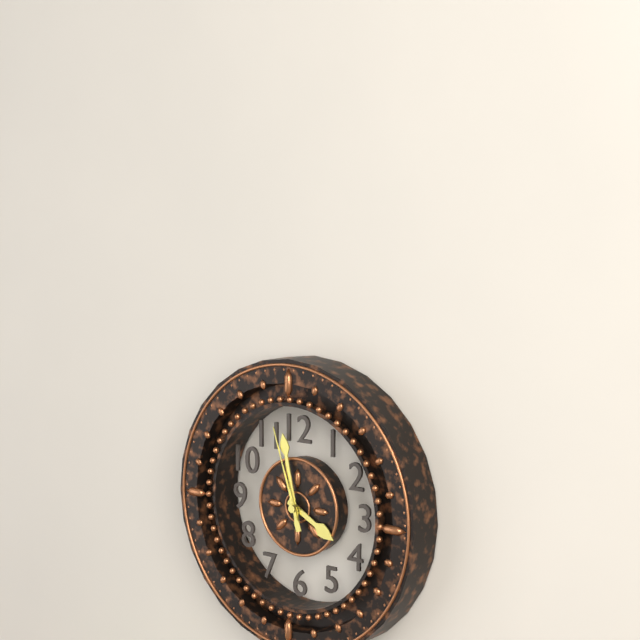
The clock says 3,58,57
